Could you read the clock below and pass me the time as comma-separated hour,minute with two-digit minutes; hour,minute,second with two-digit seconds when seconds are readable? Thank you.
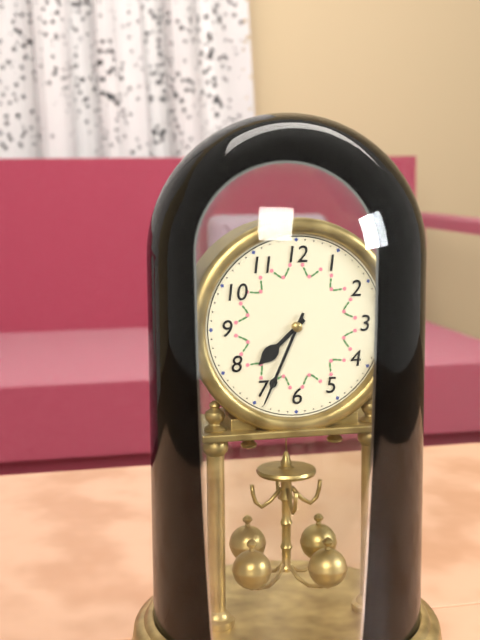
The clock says 7,34
